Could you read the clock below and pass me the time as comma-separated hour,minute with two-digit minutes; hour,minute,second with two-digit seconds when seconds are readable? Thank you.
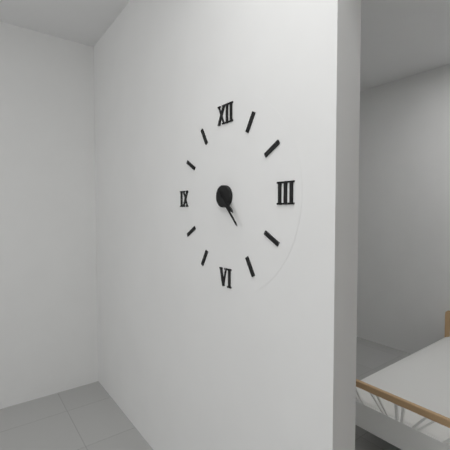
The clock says 4,23
